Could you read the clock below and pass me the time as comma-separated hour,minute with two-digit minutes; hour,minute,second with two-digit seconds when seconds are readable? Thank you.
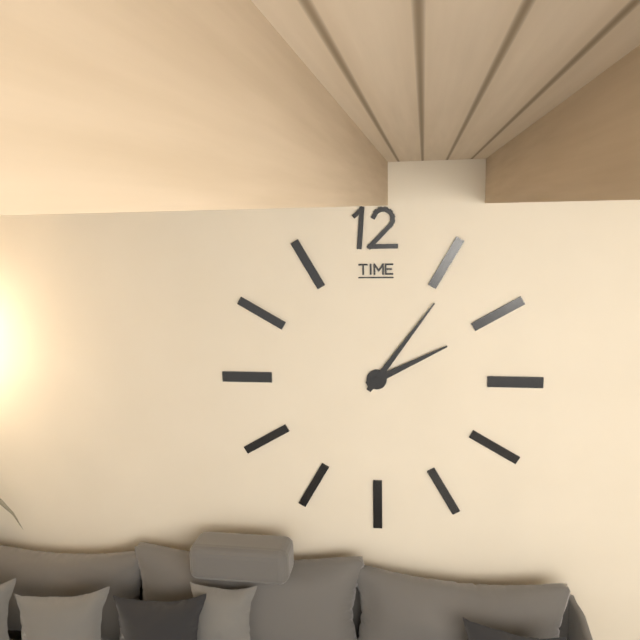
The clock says 2,06
